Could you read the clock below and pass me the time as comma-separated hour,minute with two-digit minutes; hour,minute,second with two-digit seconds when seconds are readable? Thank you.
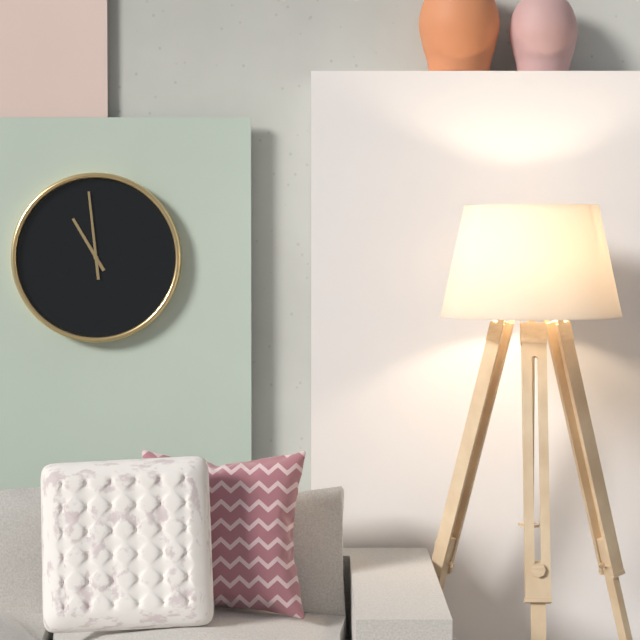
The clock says 10,59
